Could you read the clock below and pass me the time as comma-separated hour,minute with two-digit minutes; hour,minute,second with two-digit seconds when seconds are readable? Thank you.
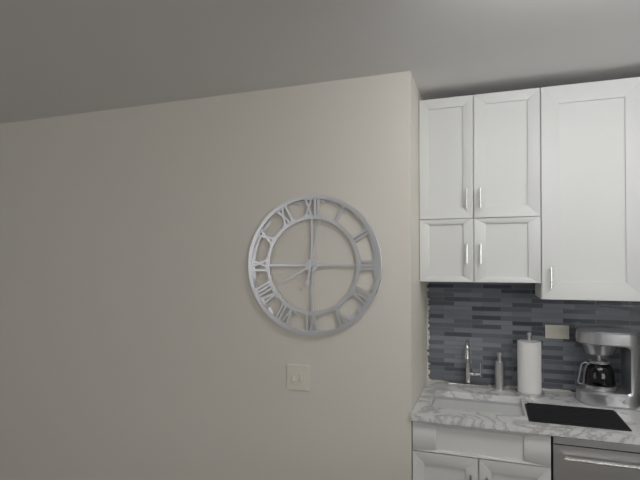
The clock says 8,02
